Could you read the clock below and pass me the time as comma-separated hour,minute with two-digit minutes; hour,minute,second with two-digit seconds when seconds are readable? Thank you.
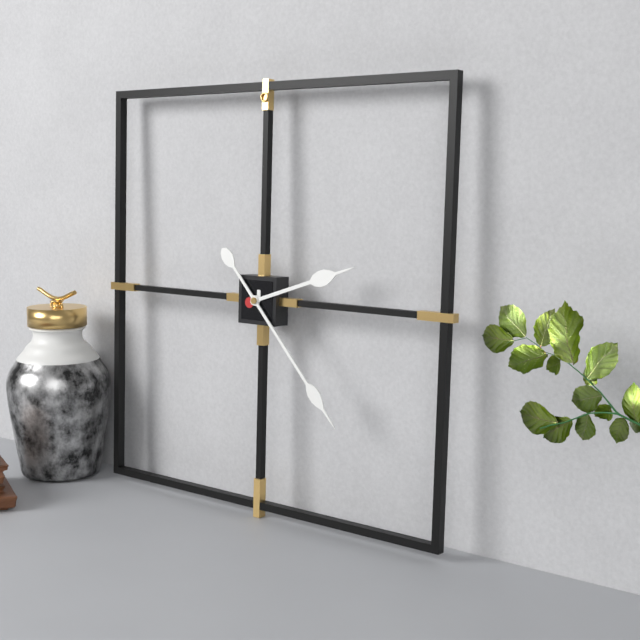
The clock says 2,23
